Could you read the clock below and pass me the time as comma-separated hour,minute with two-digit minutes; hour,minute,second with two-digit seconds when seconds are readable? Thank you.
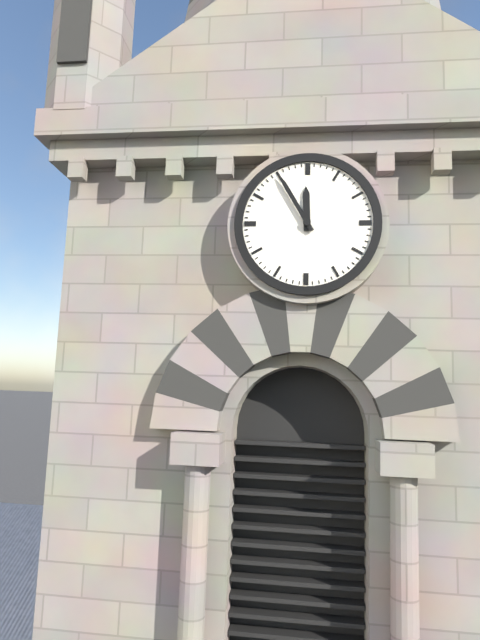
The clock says 11,55
